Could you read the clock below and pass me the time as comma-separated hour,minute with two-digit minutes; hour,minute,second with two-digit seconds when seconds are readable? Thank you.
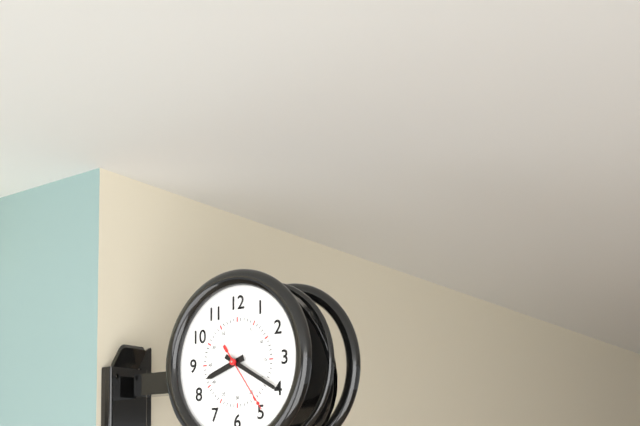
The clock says 8,20,24
